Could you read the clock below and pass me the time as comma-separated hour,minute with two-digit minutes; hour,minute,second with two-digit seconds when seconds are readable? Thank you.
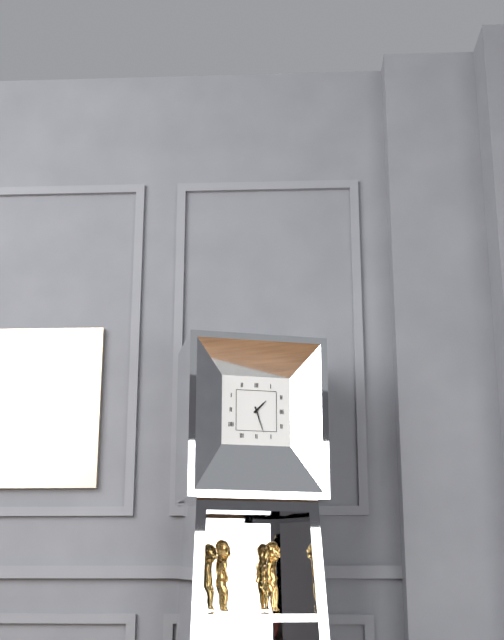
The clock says 1,27
